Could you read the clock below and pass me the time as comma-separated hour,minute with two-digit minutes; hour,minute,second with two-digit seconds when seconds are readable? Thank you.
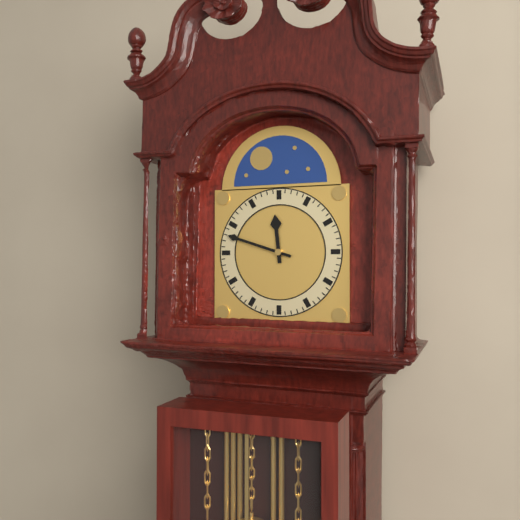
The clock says 11,48
